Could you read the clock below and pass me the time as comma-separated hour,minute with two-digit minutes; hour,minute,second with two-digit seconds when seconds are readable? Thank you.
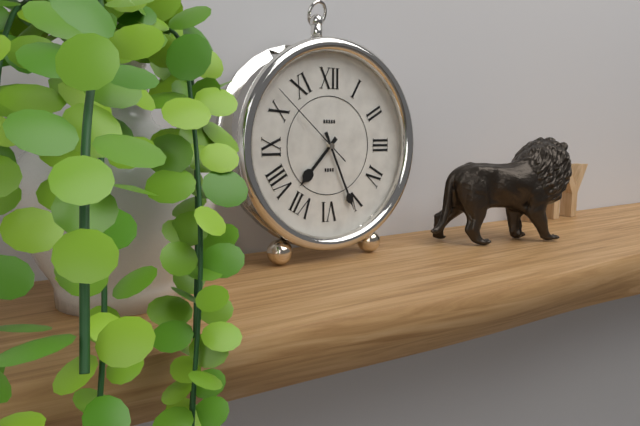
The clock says 7,26,52
